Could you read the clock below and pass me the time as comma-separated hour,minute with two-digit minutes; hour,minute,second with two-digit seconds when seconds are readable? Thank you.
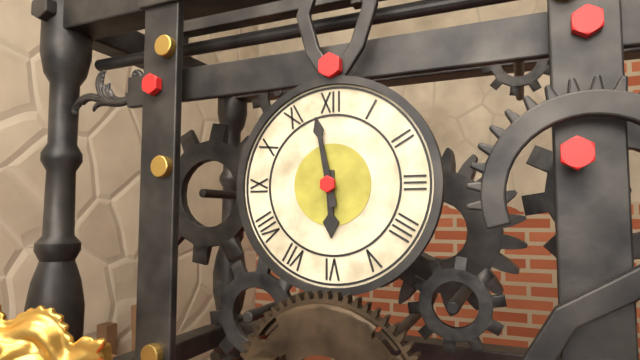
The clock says 5,58
